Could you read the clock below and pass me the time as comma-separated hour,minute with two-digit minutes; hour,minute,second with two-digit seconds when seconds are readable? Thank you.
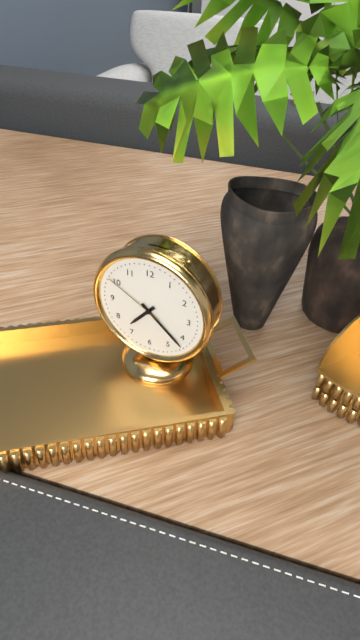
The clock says 7,22,50
